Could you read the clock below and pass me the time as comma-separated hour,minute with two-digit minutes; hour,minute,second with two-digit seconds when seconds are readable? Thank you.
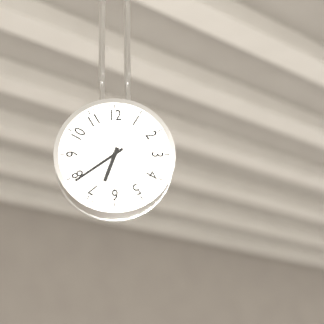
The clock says 6,39
